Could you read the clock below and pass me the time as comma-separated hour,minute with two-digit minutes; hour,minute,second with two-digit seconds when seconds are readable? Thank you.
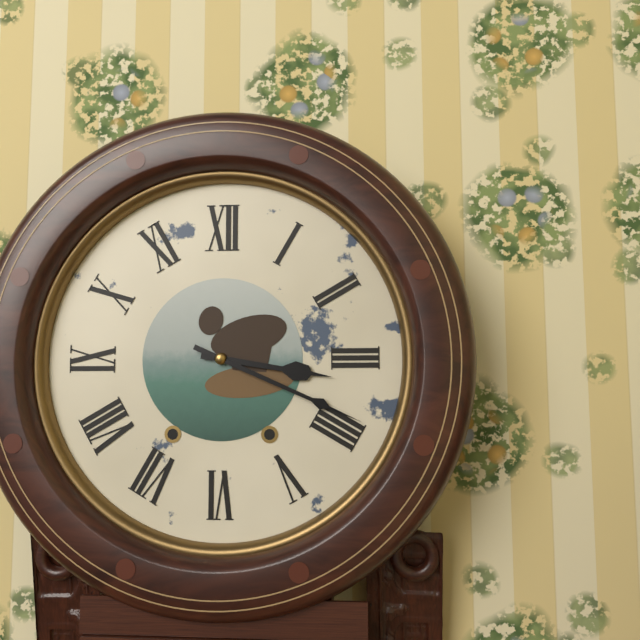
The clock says 3,19
